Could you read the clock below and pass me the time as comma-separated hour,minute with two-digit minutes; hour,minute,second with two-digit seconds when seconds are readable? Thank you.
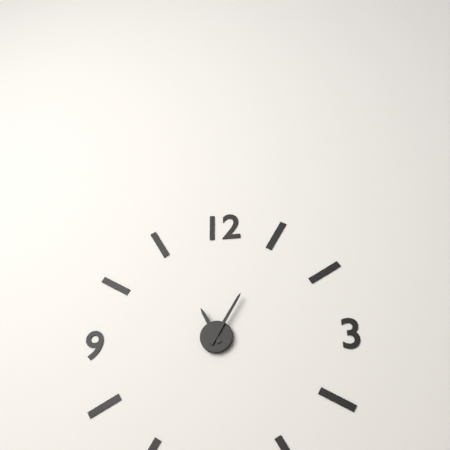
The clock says 11,05
